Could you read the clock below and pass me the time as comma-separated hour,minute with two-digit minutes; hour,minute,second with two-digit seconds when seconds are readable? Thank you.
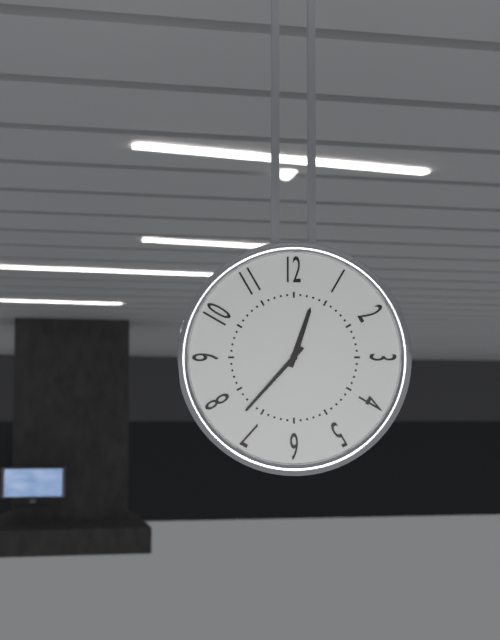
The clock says 12,37
